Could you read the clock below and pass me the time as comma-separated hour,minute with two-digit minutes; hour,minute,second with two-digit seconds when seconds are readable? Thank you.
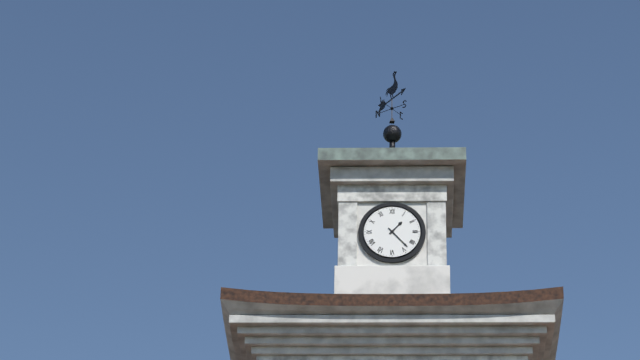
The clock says 1,23
